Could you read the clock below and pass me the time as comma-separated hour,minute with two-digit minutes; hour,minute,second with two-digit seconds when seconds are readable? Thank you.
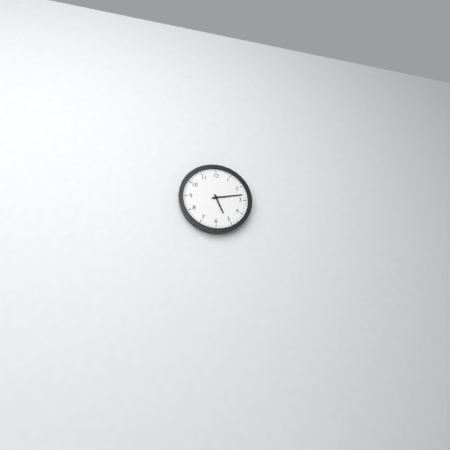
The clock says 5,13
